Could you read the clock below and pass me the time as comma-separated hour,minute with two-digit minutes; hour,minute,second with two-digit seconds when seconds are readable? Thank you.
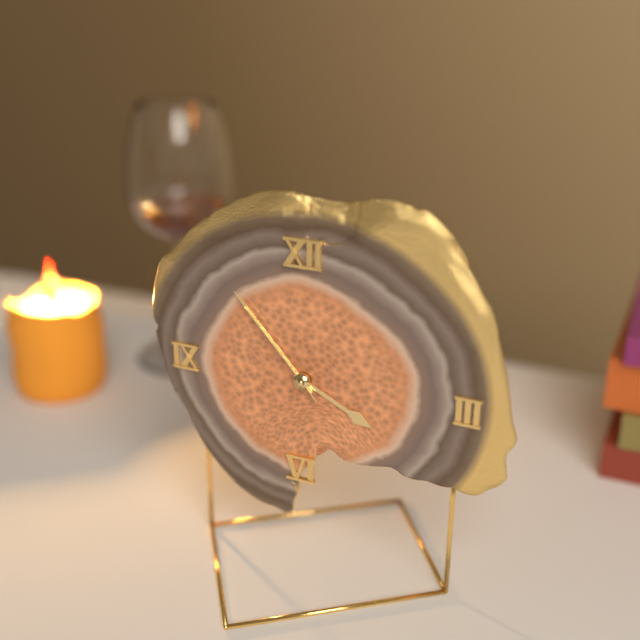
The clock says 3,53,53
